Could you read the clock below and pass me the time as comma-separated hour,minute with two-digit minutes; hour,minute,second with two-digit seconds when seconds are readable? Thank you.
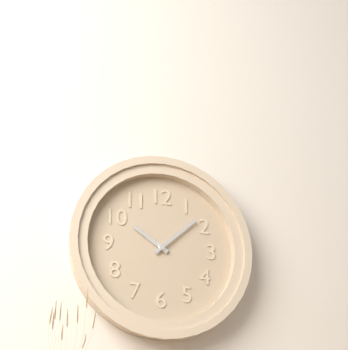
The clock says 10,08
